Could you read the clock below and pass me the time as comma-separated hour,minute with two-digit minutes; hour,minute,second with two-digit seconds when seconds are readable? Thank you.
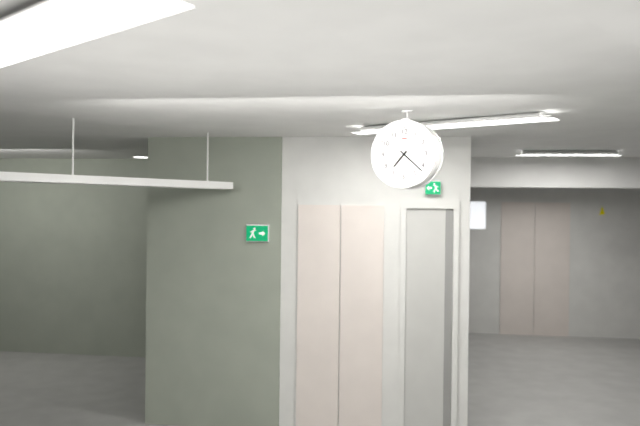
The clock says 7,22
